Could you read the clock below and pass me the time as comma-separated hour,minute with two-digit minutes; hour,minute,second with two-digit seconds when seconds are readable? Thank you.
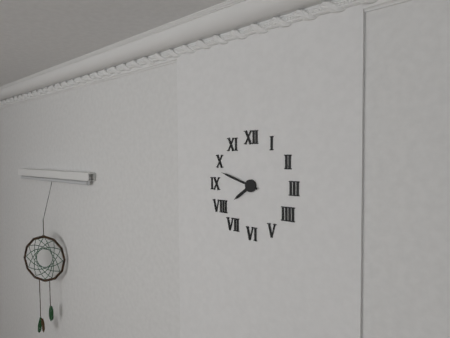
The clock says 7,48
